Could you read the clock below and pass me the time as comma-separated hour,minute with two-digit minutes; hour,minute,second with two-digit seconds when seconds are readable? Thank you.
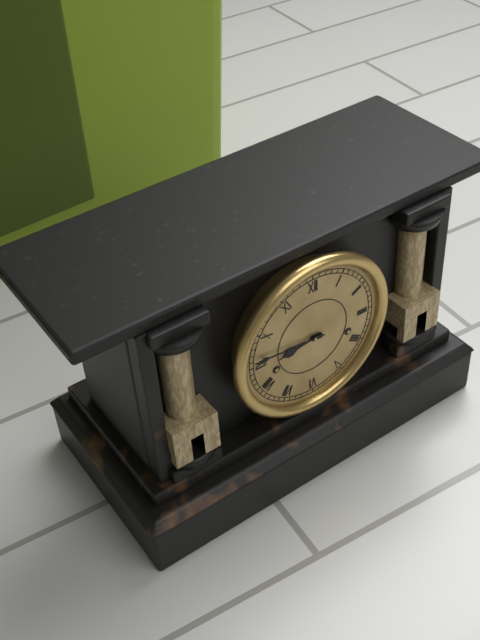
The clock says 8,46
